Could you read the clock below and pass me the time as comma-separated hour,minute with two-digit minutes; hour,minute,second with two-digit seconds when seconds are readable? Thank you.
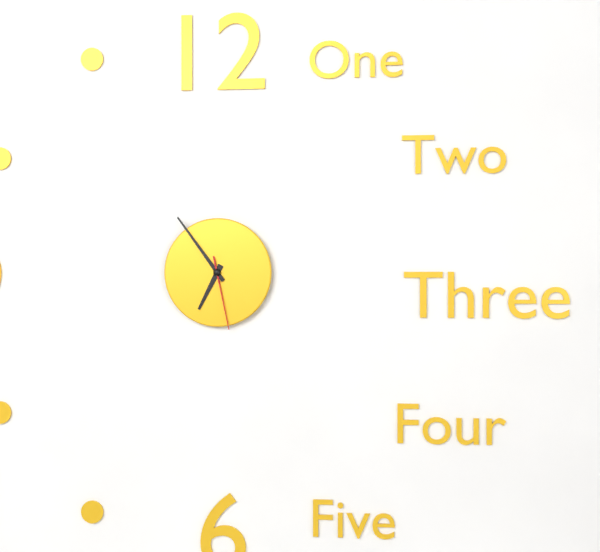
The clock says 6,54,28
